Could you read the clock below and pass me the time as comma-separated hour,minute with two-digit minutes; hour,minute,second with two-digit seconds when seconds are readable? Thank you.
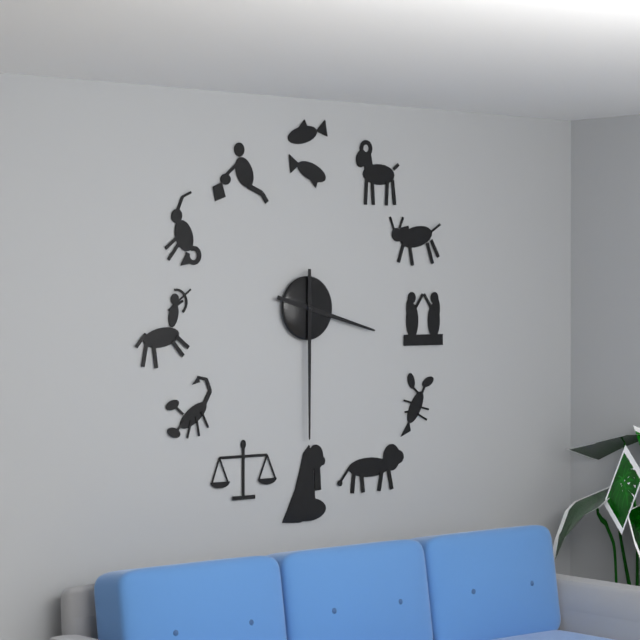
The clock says 3,30
